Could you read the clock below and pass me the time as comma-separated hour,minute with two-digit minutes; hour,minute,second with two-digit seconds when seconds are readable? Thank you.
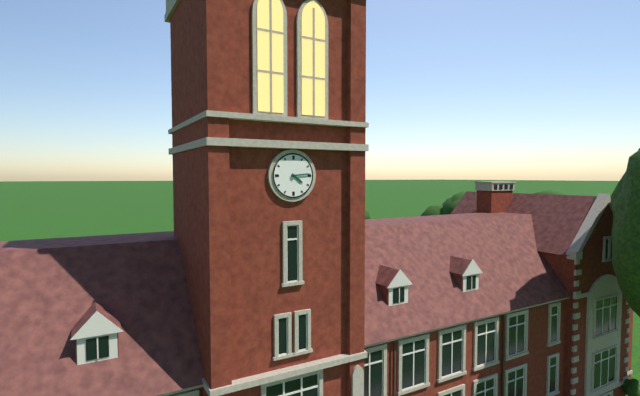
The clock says 4,14
